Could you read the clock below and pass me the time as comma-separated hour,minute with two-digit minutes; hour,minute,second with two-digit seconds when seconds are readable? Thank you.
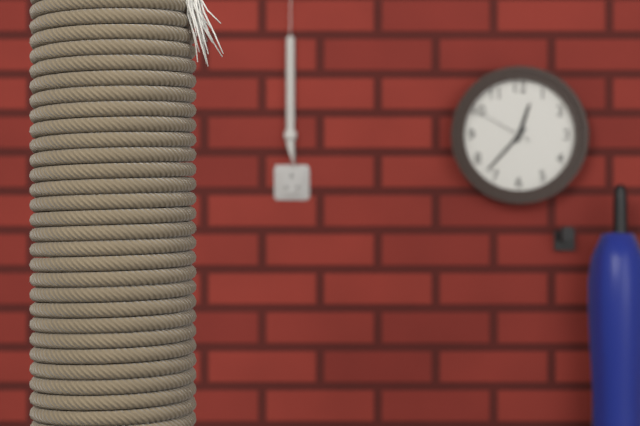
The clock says 12,37,50
